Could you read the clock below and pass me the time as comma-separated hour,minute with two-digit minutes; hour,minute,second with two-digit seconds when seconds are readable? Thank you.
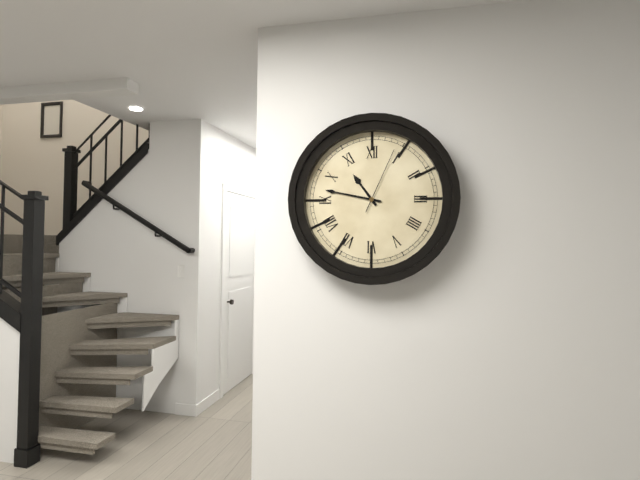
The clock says 10,47,04
